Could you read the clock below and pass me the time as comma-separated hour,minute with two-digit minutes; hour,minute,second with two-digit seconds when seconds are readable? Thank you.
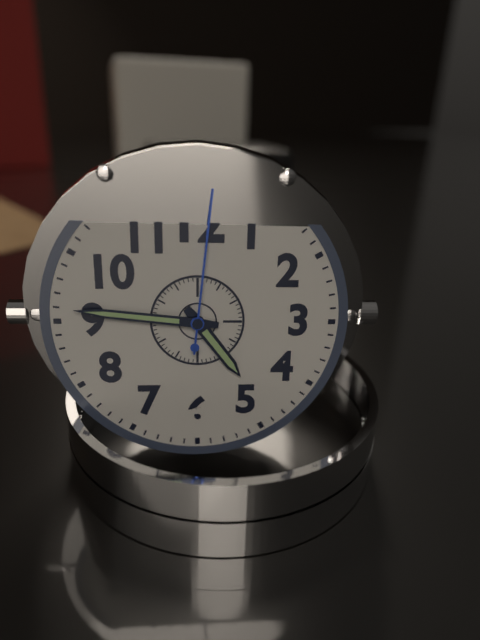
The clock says 4,46,01
